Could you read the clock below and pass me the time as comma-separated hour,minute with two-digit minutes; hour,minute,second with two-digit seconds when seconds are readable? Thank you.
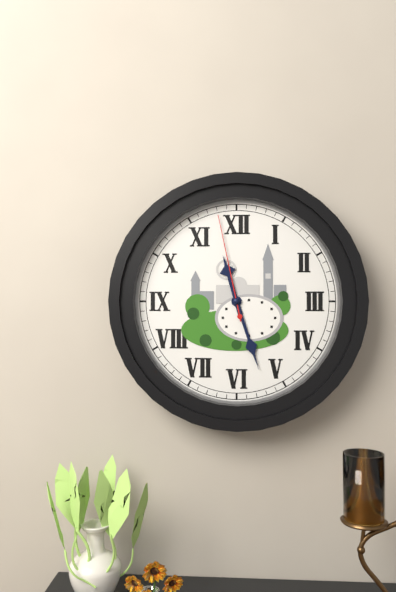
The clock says 11,27,58
